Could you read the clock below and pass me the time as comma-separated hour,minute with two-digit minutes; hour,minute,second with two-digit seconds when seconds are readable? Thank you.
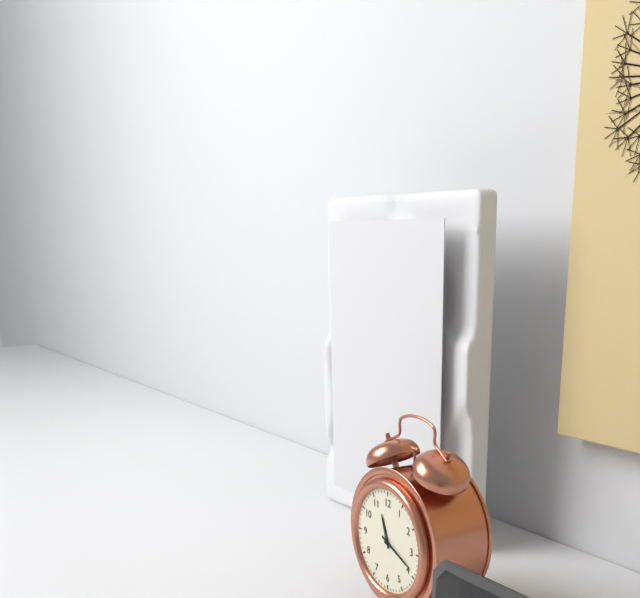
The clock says 11,19
